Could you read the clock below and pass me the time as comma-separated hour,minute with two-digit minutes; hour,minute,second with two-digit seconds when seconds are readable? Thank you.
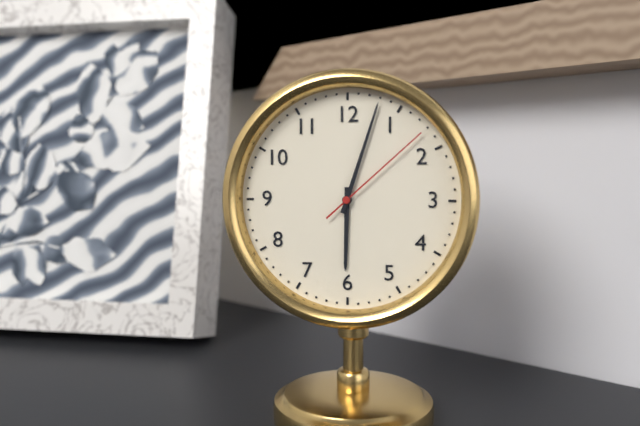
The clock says 6,03,08
